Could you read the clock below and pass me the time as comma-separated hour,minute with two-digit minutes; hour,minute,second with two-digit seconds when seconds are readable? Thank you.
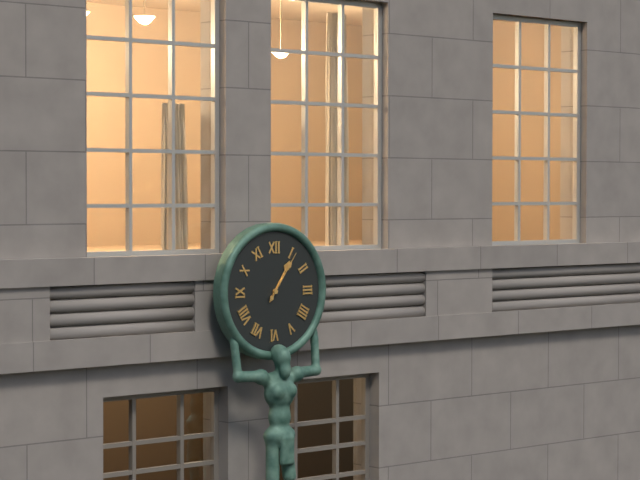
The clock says 1,06
